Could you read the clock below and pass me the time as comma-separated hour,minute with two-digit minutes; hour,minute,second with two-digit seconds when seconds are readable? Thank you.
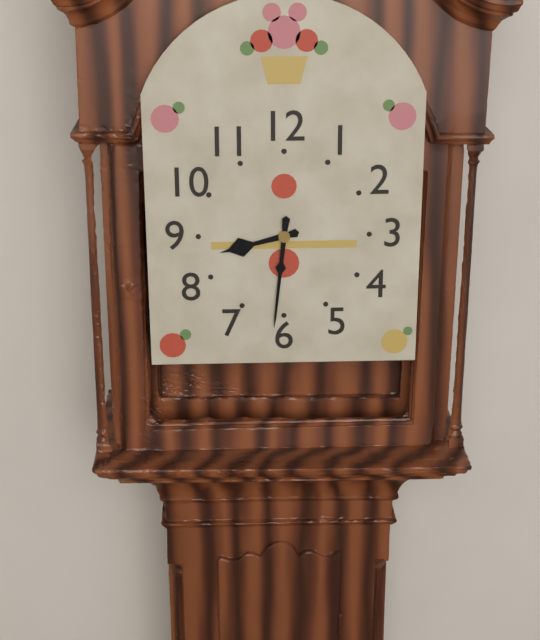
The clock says 8,31
